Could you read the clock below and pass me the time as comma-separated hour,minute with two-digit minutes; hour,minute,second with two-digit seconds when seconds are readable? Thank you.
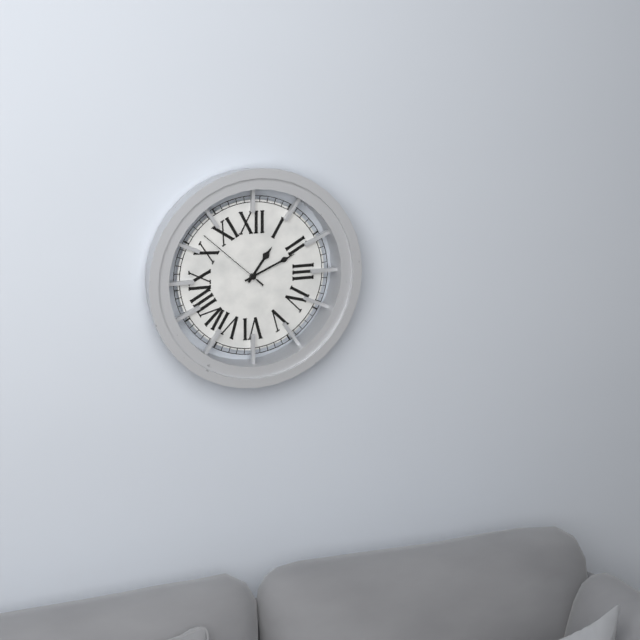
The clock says 1,11,52
